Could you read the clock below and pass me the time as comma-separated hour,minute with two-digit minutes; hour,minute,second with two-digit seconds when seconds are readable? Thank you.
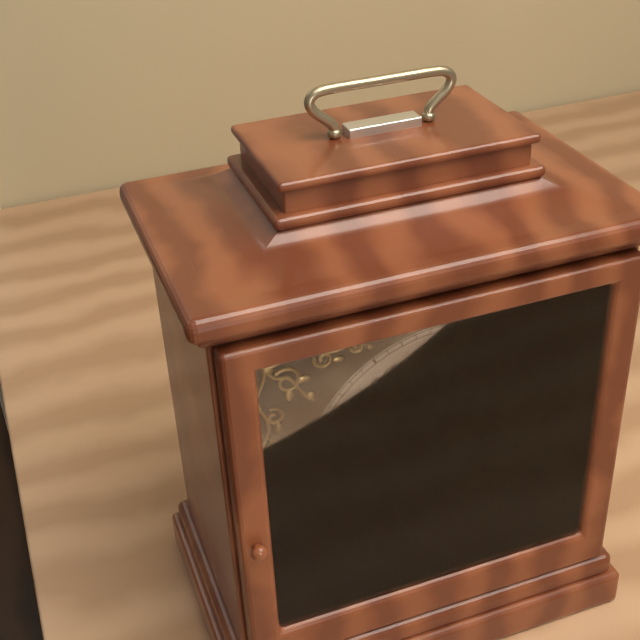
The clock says 9,29
